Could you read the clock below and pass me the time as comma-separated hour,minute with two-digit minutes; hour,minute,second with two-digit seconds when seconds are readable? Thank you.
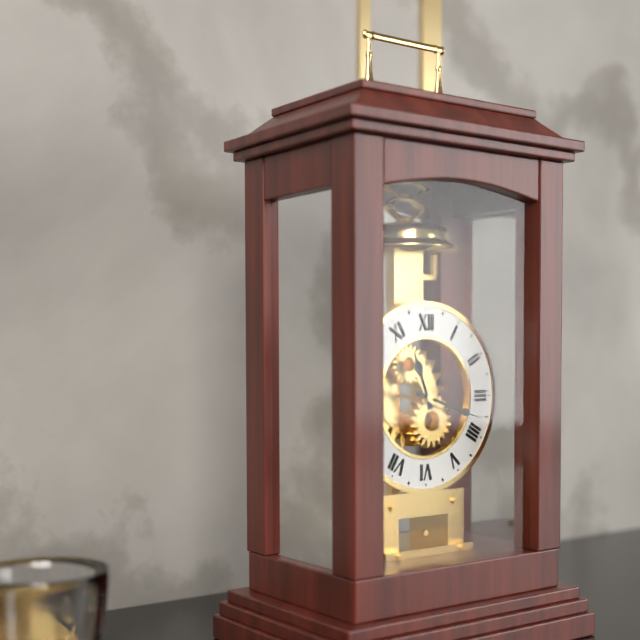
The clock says 11,18
